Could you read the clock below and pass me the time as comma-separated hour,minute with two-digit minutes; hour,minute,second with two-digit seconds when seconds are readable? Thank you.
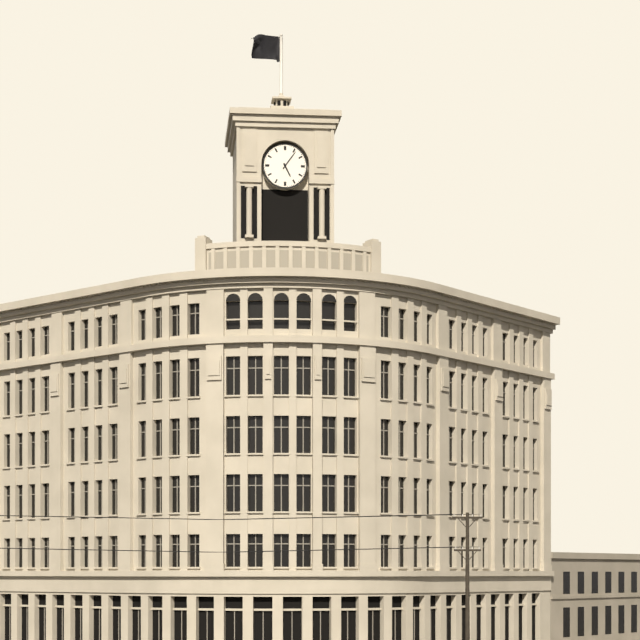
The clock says 5,06
